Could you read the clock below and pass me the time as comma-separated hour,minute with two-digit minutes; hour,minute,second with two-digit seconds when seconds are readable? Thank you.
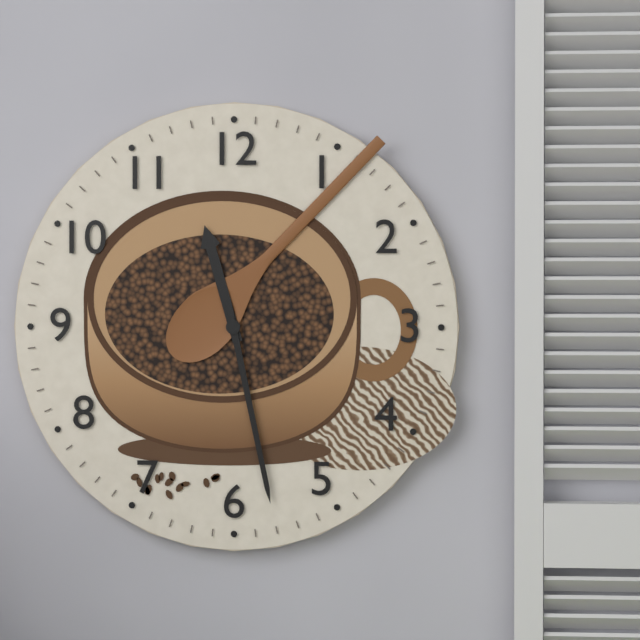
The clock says 11,28
